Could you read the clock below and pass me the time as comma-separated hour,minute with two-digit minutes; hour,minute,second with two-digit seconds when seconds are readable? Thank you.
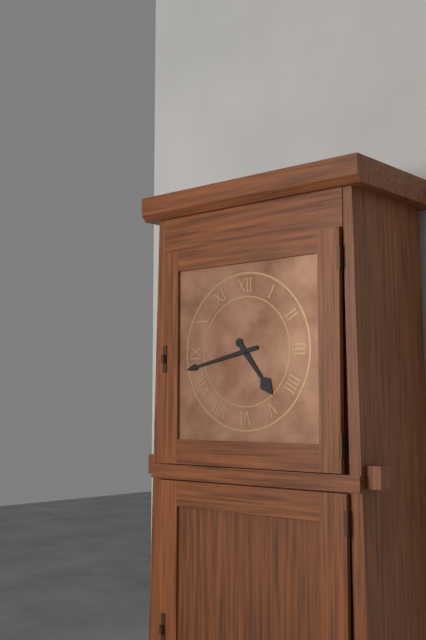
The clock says 4,43
